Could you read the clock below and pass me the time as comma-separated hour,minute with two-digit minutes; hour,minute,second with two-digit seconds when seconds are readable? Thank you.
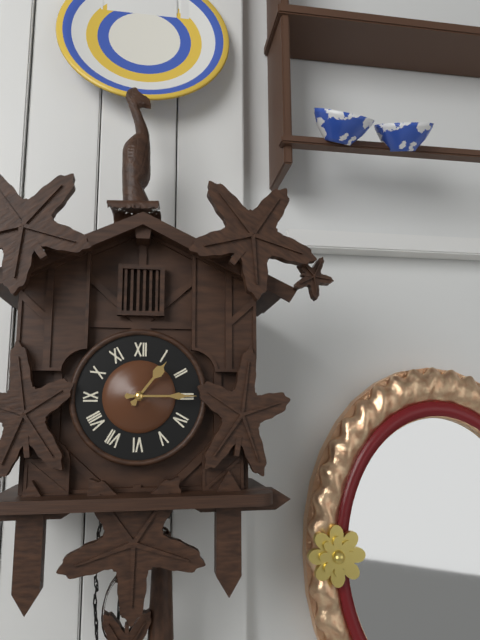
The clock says 1,15
